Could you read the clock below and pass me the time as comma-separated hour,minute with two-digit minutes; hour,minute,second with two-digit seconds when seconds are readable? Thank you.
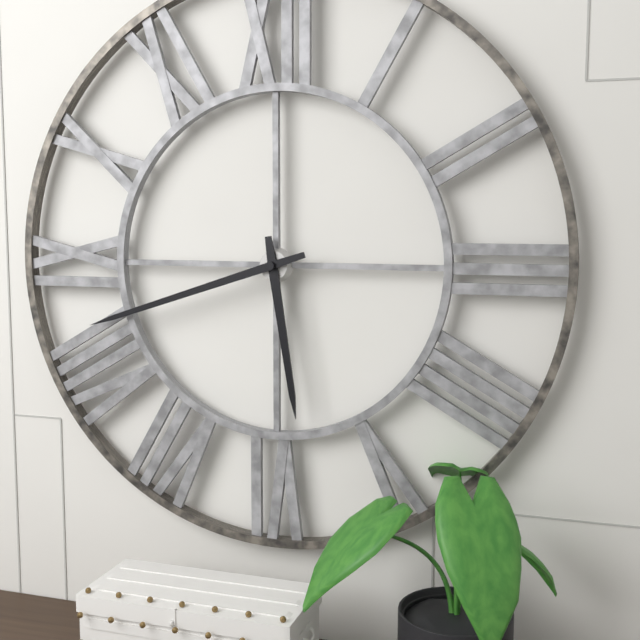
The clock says 5,42
